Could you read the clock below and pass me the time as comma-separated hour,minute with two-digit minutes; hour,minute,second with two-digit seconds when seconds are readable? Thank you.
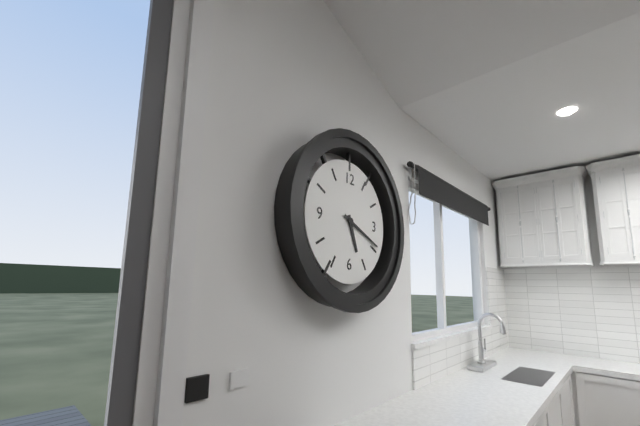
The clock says 5,19
